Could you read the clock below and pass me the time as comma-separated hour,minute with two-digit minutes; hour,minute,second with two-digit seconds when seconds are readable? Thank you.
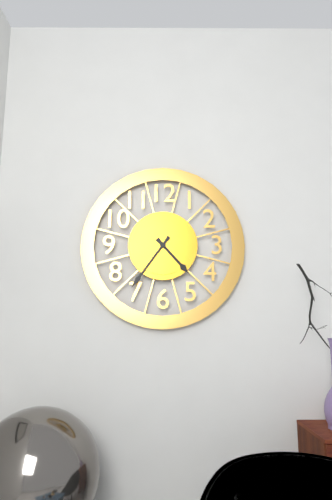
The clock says 4,36
